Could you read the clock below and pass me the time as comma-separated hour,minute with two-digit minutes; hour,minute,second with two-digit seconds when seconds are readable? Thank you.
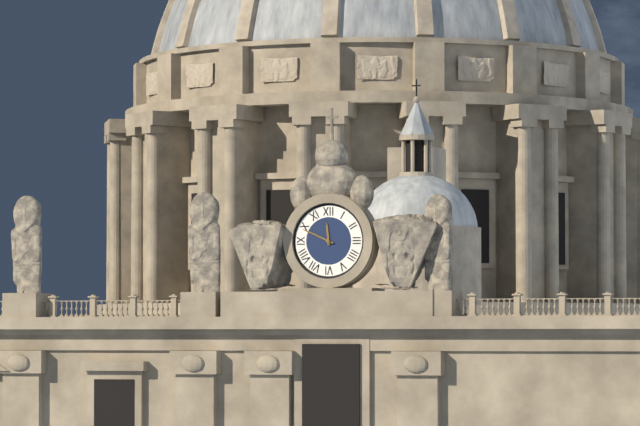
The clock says 11,49
